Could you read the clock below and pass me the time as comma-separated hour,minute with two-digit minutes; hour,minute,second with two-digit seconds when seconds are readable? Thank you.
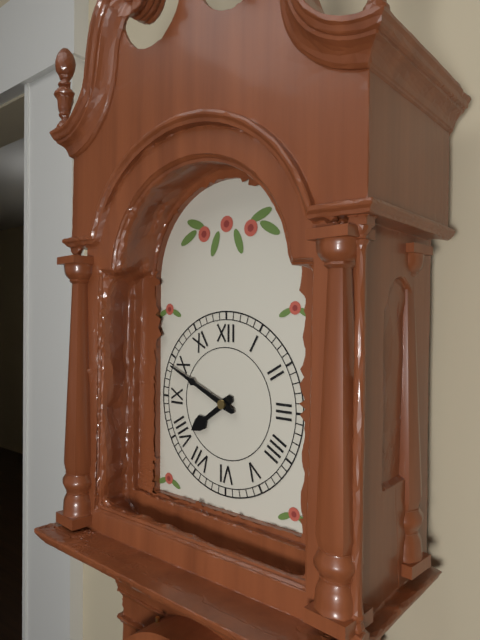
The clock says 7,49
